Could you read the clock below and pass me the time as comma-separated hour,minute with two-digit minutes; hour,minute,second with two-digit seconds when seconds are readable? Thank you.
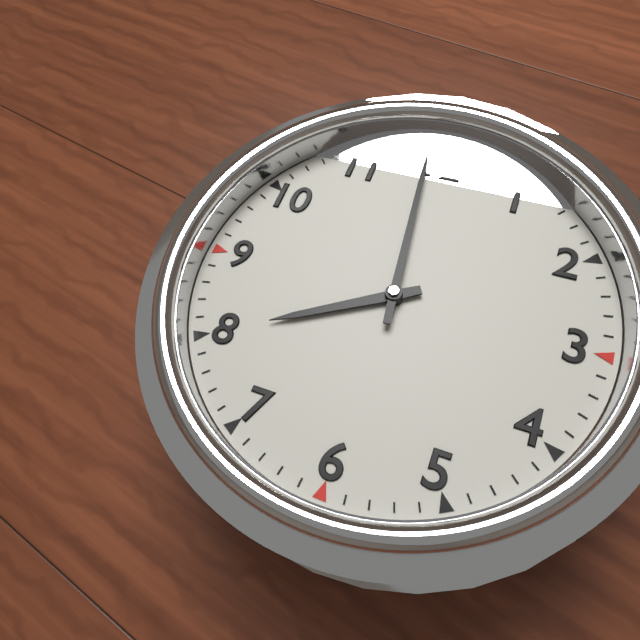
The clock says 7,59
